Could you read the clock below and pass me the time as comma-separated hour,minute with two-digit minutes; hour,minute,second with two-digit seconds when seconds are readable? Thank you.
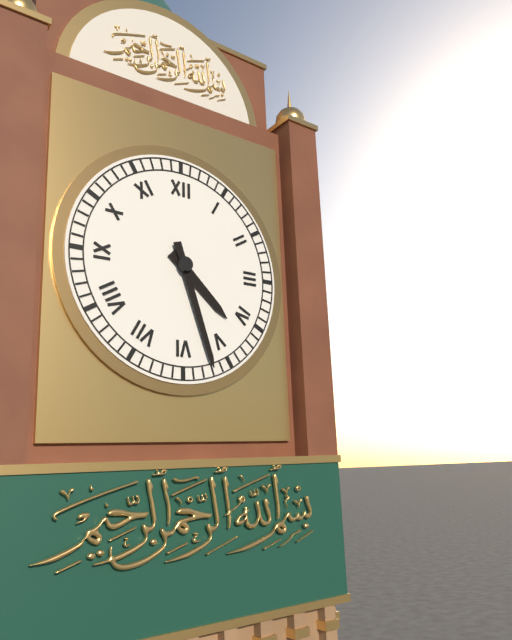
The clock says 4,27
